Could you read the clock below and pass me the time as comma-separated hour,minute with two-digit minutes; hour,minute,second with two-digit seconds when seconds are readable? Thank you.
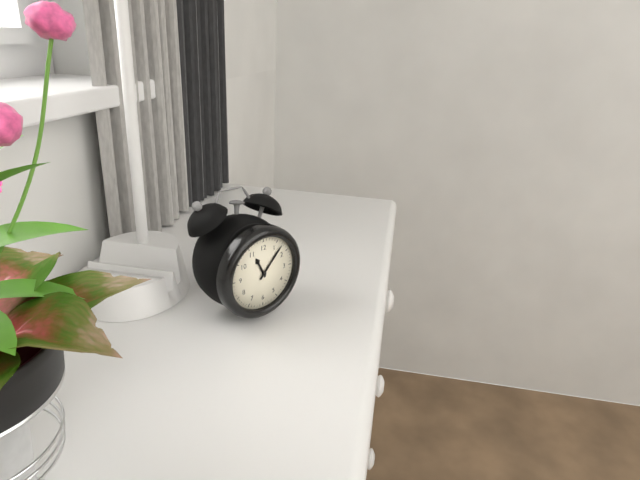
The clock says 11,07
